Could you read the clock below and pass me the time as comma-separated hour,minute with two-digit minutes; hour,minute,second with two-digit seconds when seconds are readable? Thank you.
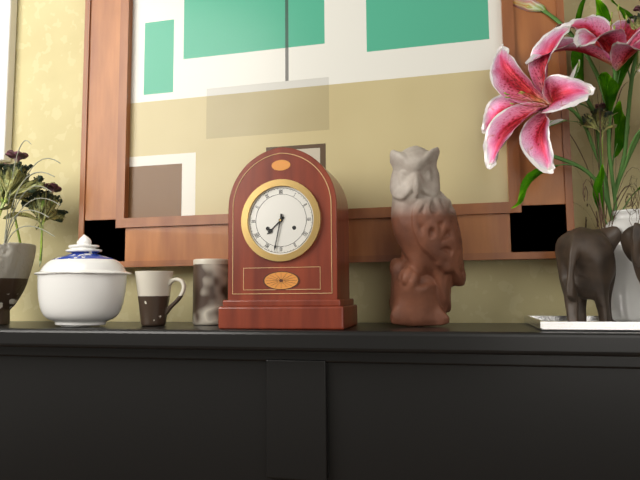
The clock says 7,32
